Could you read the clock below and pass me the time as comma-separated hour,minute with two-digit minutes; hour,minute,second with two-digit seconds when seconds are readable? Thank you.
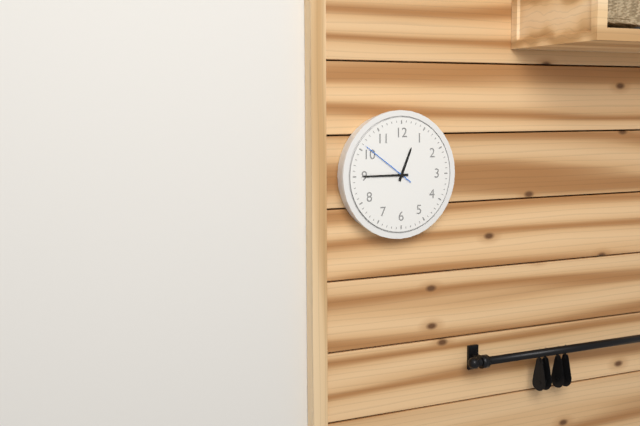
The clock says 12,45,51
